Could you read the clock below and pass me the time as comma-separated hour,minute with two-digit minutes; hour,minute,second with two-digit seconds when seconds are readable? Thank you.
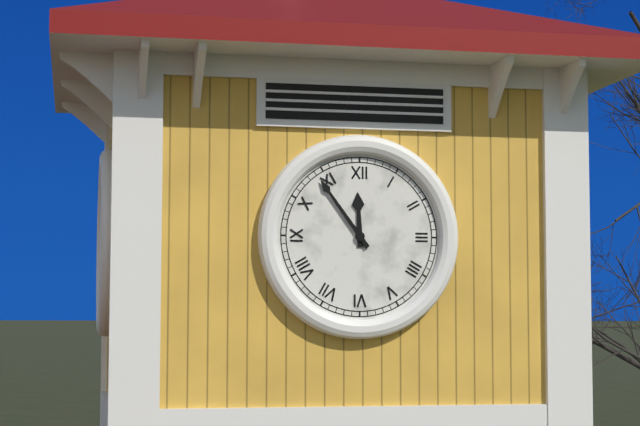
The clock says 11,54
